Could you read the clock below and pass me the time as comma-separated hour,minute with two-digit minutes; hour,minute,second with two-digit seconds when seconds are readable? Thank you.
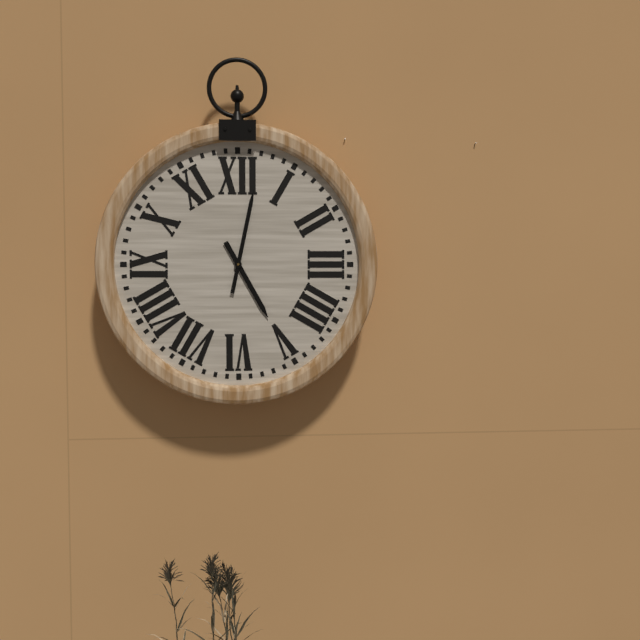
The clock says 5,02
